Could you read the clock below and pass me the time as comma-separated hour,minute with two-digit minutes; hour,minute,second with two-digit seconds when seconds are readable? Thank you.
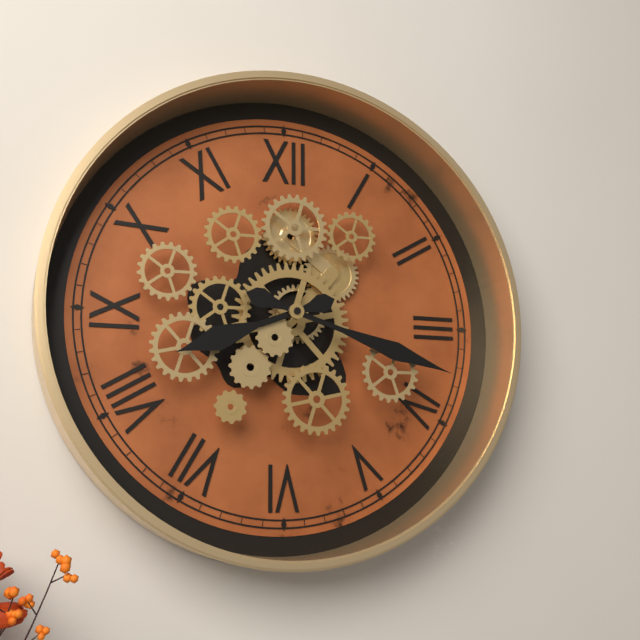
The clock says 8,18
